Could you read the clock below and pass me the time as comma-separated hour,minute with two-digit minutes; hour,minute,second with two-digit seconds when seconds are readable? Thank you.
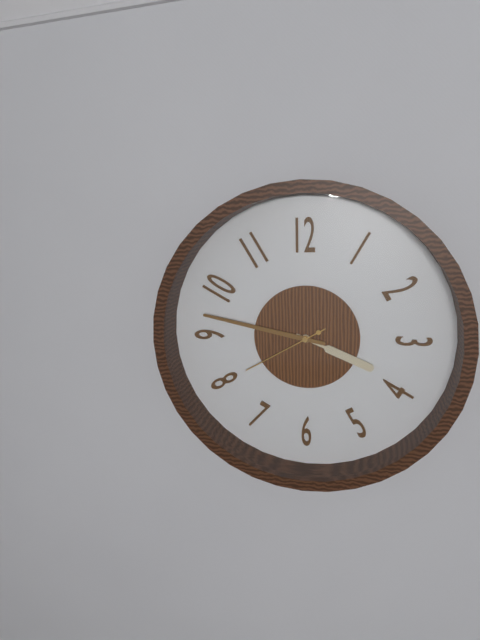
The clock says 3,47,40
